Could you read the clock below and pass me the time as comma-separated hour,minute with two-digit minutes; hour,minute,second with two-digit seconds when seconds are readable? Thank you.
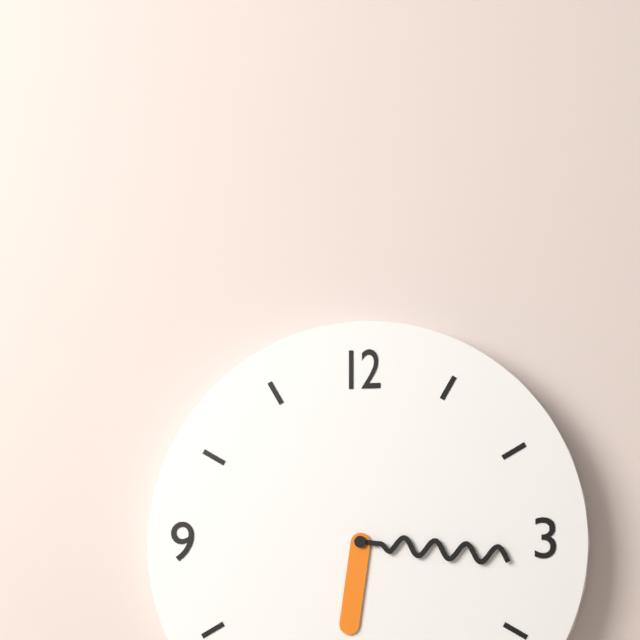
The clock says 6,16
